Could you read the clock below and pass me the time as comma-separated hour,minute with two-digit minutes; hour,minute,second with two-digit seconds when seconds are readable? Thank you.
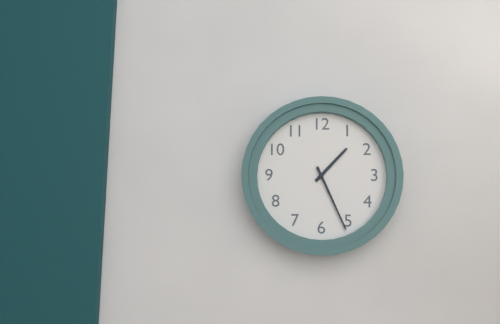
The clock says 1,26
